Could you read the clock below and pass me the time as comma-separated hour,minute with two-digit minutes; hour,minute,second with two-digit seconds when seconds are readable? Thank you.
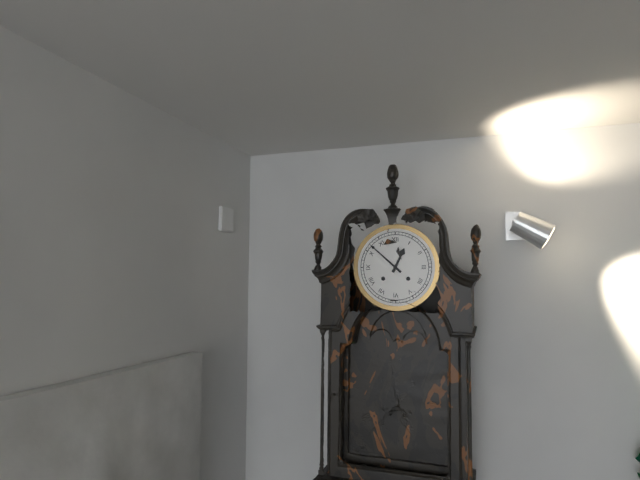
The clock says 12,52
